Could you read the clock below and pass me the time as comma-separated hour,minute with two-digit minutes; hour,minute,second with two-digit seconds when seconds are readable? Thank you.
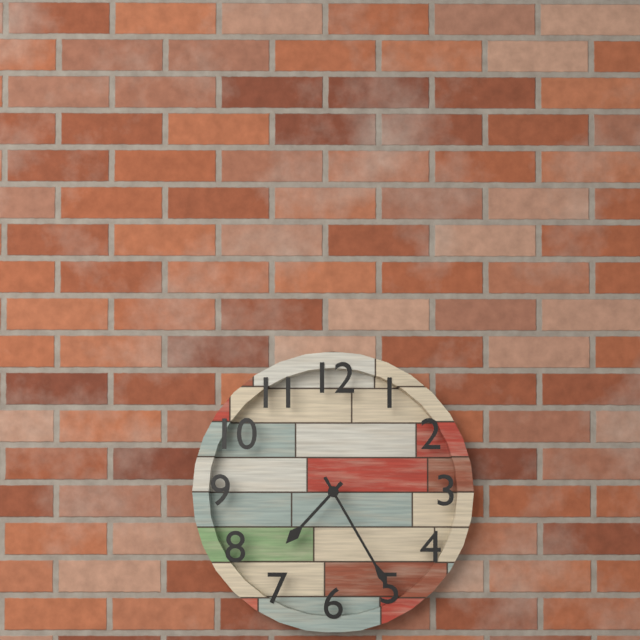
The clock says 7,25
